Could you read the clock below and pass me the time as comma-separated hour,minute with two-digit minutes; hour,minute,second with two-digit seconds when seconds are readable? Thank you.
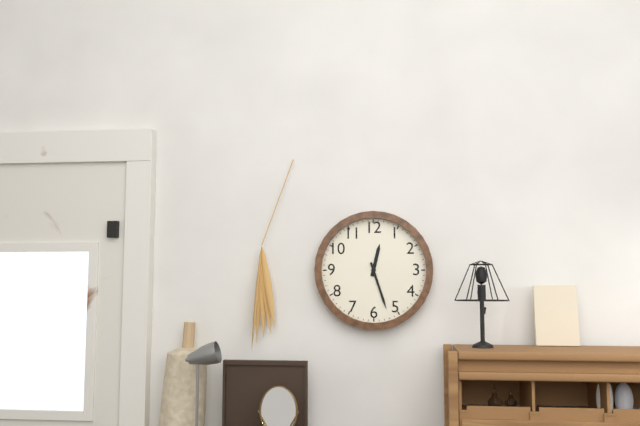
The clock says 12,27
